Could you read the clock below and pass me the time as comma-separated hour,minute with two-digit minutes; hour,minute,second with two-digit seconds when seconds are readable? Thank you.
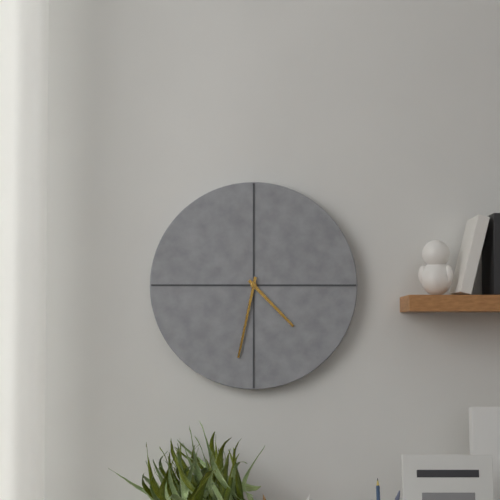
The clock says 4,32
